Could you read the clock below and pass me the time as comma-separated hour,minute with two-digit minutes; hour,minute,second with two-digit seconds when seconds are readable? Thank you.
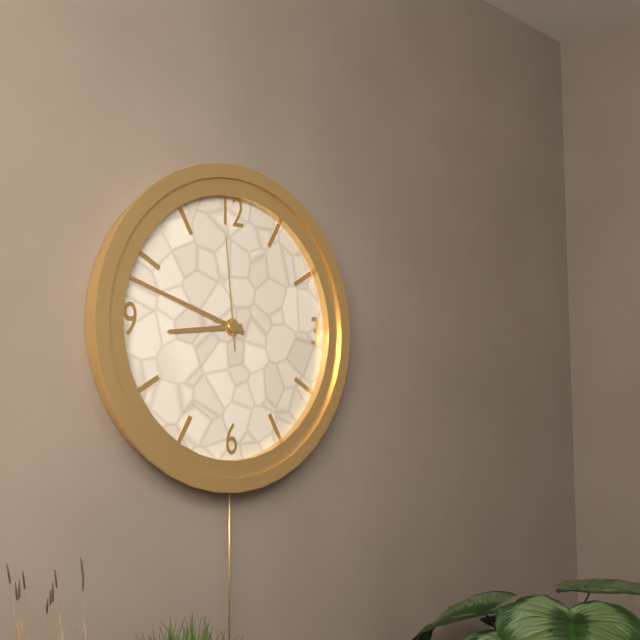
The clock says 8,48,59
